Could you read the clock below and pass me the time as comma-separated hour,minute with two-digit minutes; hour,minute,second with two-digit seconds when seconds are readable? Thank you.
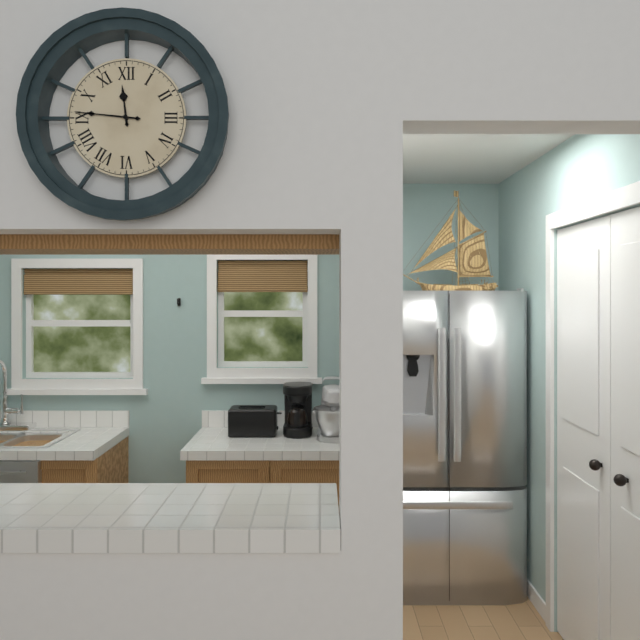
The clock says 11,46
